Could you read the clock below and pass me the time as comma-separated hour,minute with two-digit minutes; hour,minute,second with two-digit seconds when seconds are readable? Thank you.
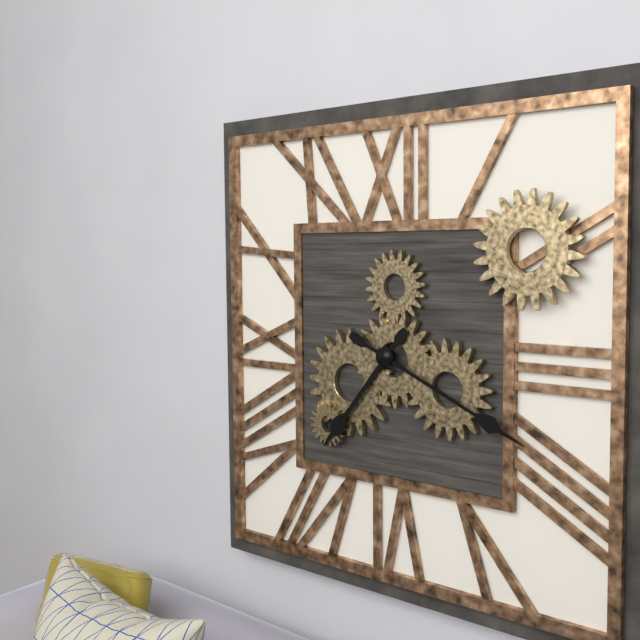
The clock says 7,19
